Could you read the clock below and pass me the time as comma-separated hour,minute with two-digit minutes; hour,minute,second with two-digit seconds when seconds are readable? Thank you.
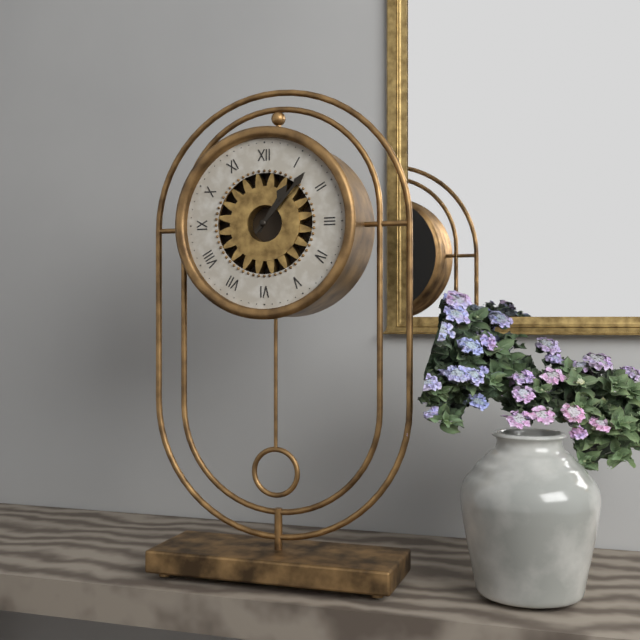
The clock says 1,07
